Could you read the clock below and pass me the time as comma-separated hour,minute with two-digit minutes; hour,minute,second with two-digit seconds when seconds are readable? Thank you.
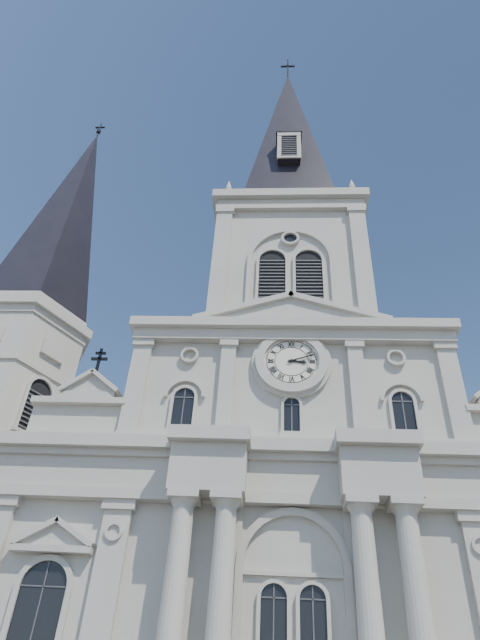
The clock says 3,12
